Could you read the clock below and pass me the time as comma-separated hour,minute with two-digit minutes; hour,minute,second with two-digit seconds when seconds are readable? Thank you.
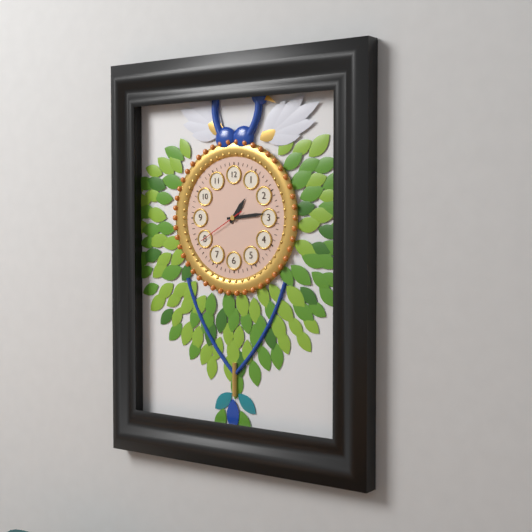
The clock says 1,14
